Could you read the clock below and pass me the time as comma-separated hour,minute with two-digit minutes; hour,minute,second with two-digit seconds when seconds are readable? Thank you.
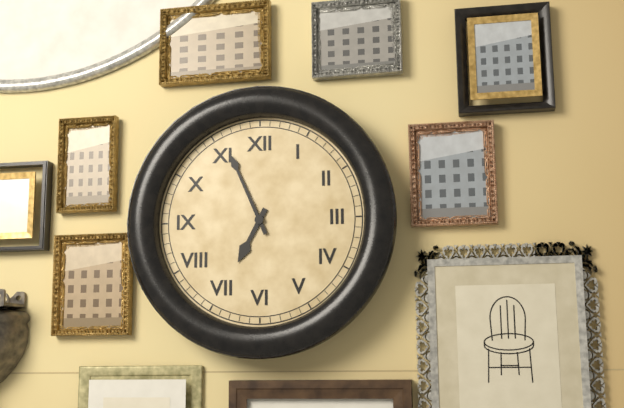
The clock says 6,56
